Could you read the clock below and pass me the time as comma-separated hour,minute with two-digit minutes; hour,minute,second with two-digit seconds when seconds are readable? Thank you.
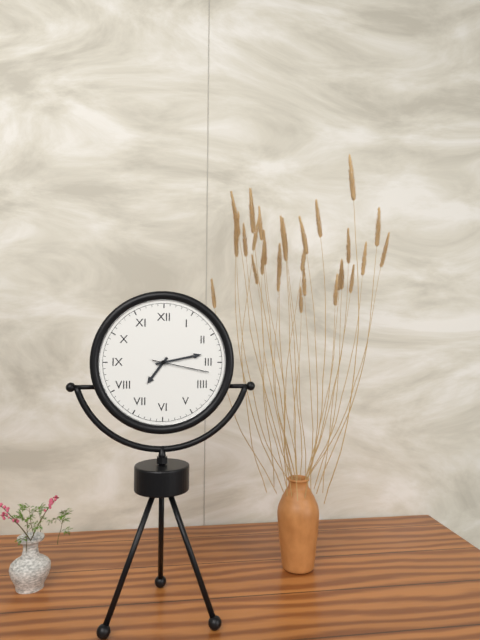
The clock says 7,13,17
